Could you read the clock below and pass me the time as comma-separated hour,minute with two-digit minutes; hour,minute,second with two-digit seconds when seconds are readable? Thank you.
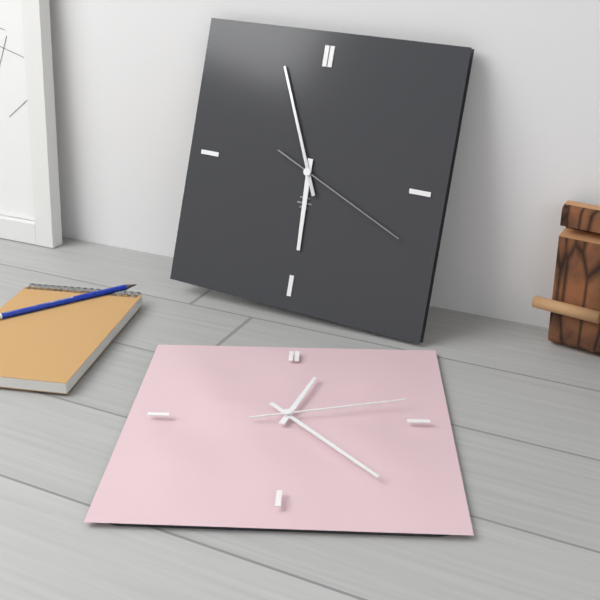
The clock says 5,56,19
